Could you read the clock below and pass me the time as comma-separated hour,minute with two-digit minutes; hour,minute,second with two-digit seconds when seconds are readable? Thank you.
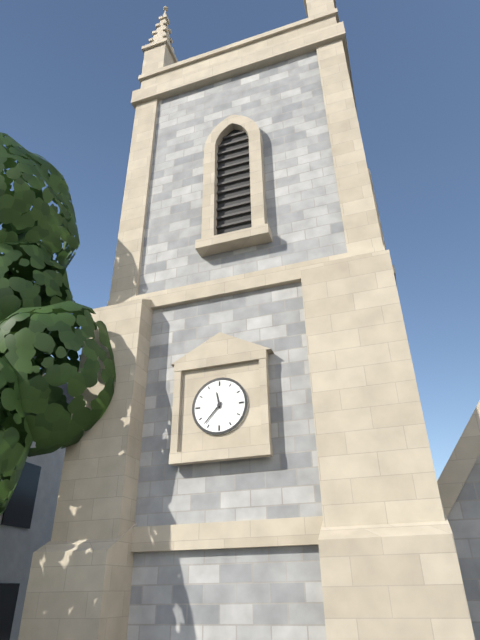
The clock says 11,37
